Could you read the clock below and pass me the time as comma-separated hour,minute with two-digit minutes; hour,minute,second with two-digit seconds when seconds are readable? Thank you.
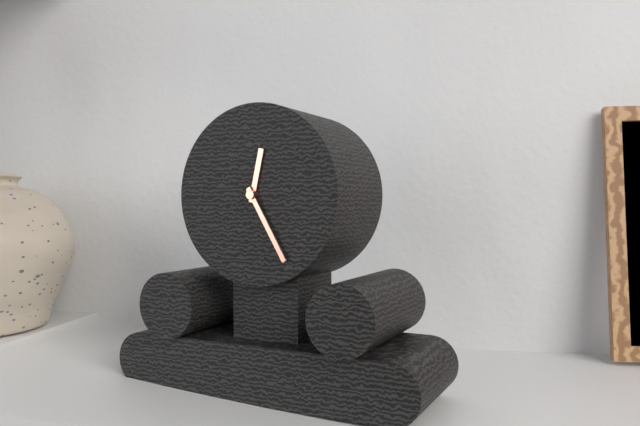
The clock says 12,25
